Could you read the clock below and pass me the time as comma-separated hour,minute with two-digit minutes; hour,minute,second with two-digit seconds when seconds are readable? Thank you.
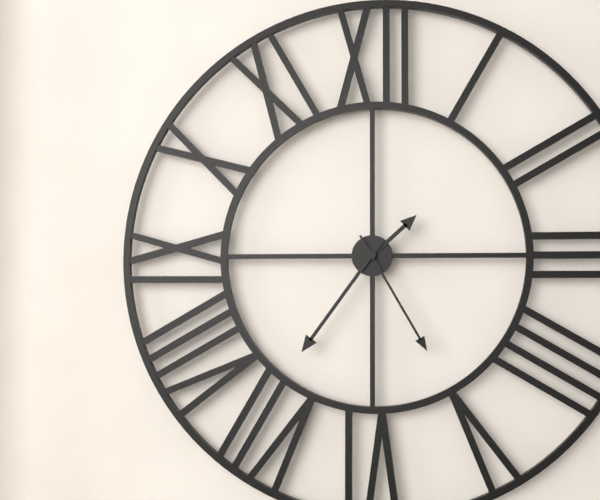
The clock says 1,36,25
